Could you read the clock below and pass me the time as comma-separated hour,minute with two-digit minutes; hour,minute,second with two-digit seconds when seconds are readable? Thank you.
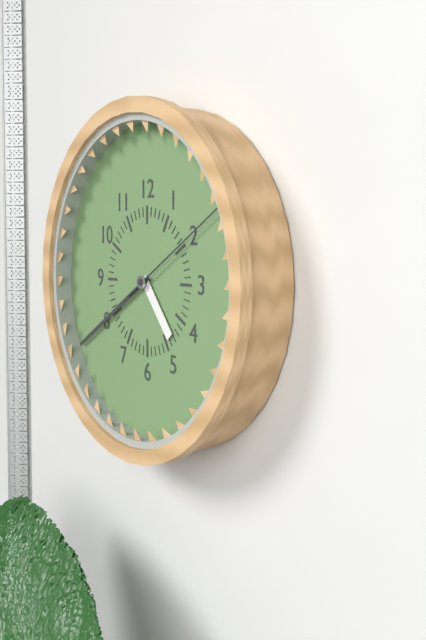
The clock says 4,40,10
